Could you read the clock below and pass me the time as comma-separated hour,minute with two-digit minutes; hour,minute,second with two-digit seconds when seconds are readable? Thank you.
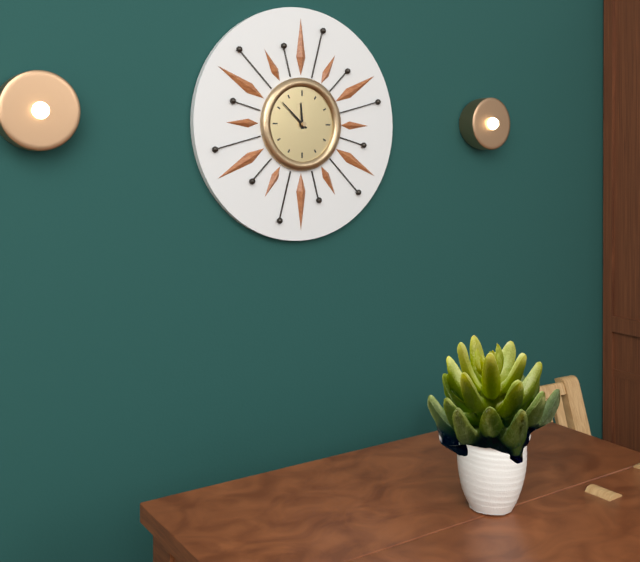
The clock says 11,52
